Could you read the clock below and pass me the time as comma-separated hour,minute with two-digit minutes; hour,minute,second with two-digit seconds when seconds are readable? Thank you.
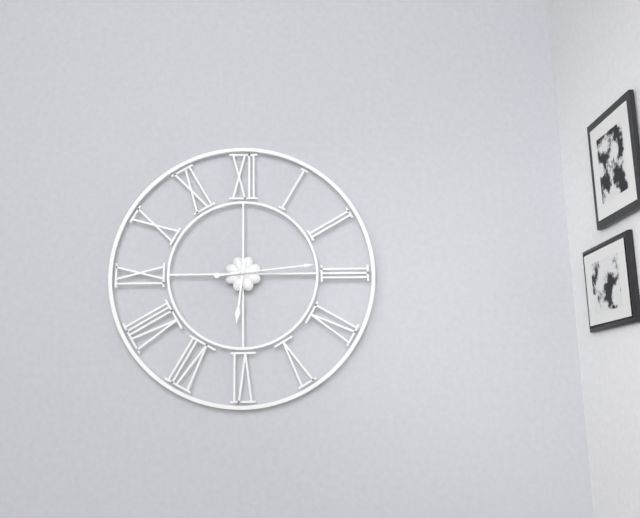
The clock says 6,14
